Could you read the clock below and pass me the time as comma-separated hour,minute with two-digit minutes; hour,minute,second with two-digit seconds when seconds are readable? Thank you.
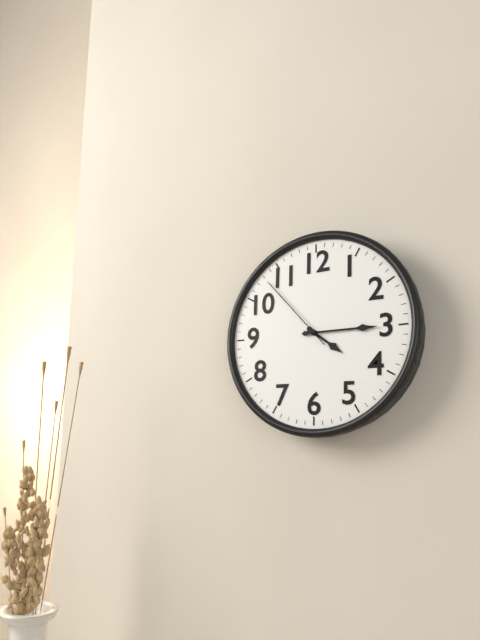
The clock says 4,15,53
